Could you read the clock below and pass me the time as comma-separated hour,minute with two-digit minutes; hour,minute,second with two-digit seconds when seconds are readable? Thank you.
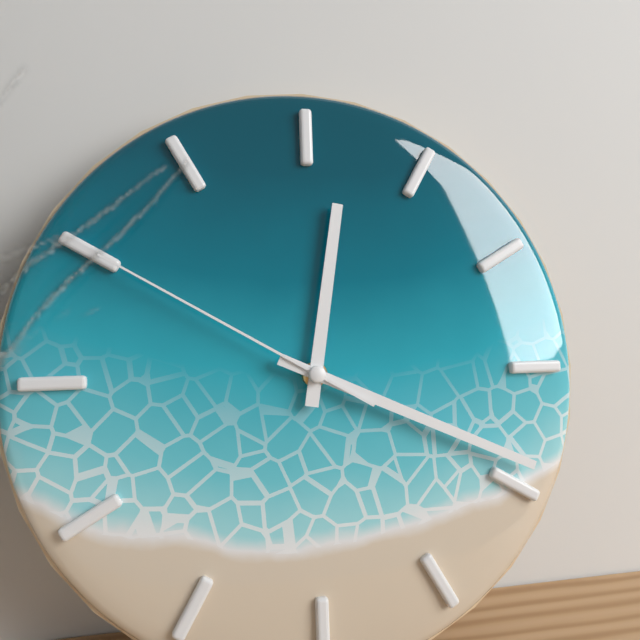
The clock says 12,19,50
